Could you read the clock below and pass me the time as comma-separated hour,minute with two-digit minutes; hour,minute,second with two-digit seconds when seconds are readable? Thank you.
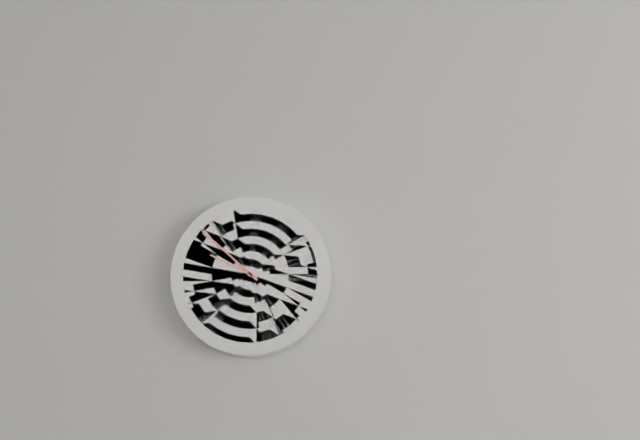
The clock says 9,52
